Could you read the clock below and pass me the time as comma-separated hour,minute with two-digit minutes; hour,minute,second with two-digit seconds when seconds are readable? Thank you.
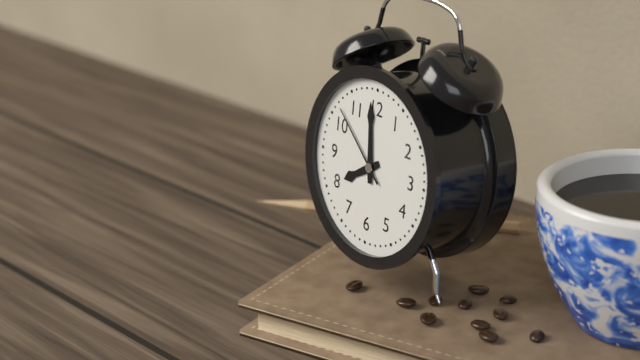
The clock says 7,59,52
